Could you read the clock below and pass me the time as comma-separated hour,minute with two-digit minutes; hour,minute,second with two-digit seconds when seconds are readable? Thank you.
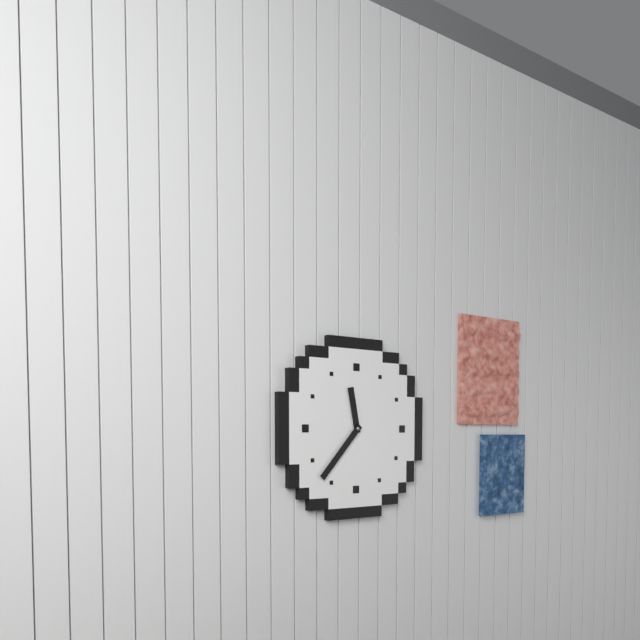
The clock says 11,37
